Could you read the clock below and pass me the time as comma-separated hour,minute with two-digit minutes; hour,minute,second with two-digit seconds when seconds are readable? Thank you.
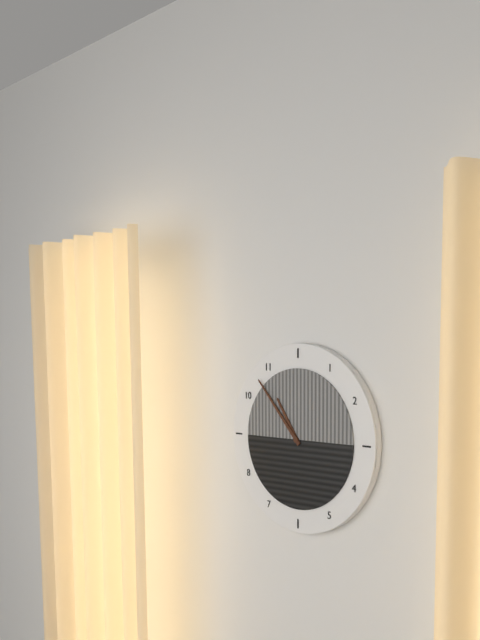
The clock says 10,53
